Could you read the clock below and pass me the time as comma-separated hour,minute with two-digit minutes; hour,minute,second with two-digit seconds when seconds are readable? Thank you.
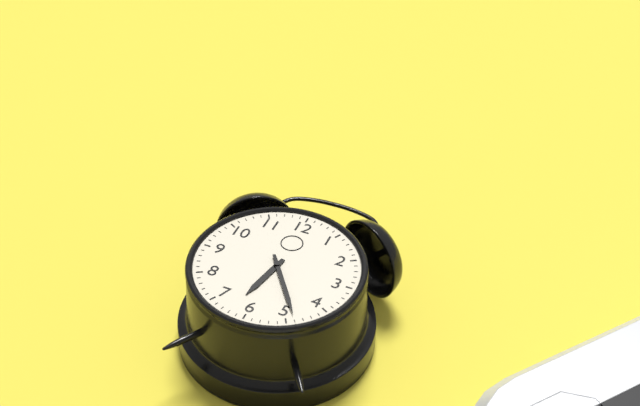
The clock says 6,24
